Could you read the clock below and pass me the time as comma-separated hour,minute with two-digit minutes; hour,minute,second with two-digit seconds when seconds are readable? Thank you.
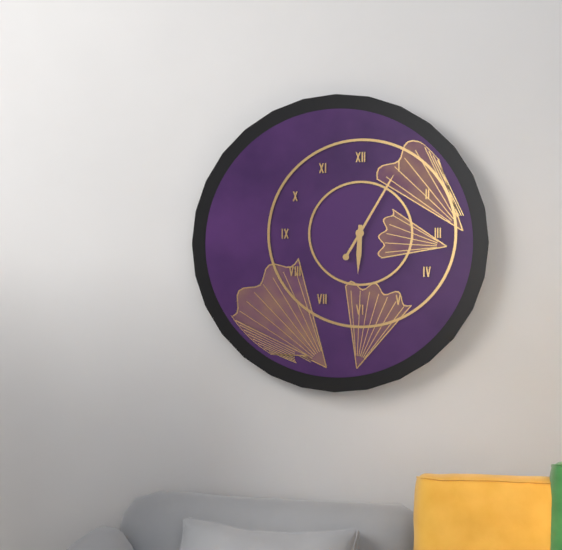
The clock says 6,05
